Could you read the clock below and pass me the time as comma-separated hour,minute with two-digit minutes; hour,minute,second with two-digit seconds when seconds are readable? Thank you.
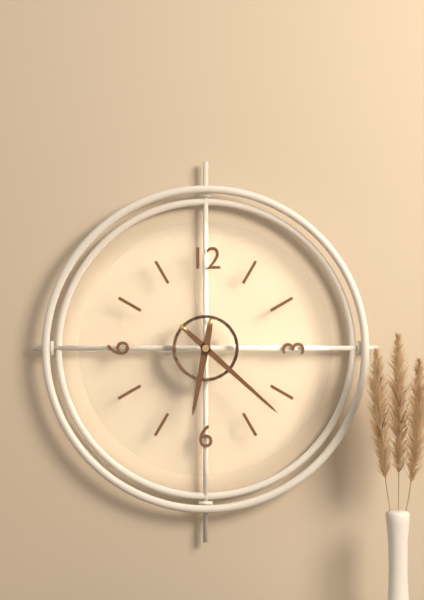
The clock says 6,22
